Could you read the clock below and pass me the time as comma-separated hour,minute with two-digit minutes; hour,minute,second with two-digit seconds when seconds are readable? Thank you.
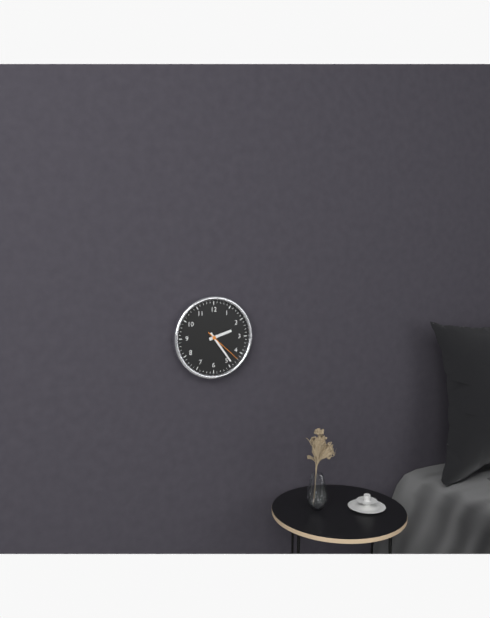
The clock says 2,24
